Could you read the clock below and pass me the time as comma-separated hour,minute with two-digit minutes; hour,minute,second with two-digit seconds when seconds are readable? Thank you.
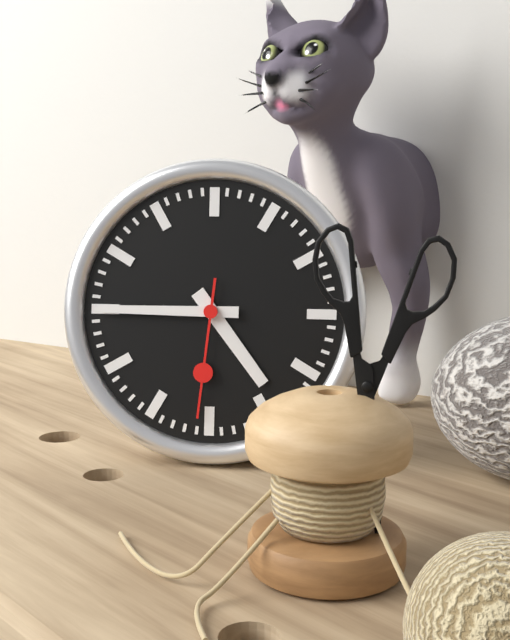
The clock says 4,45,31
